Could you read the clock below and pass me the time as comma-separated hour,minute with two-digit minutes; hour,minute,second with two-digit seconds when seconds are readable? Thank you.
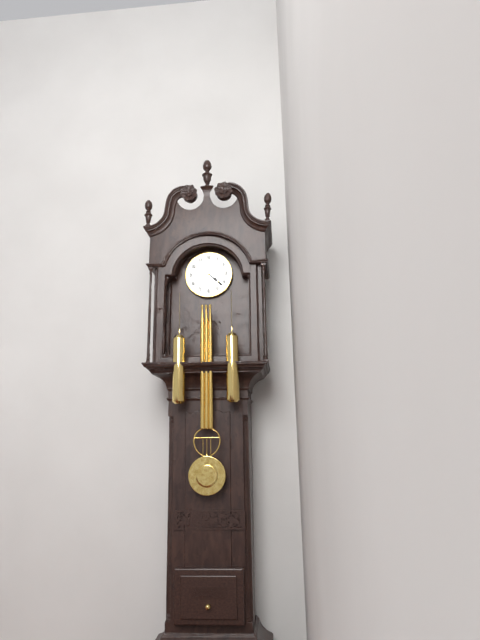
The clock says 4,22
